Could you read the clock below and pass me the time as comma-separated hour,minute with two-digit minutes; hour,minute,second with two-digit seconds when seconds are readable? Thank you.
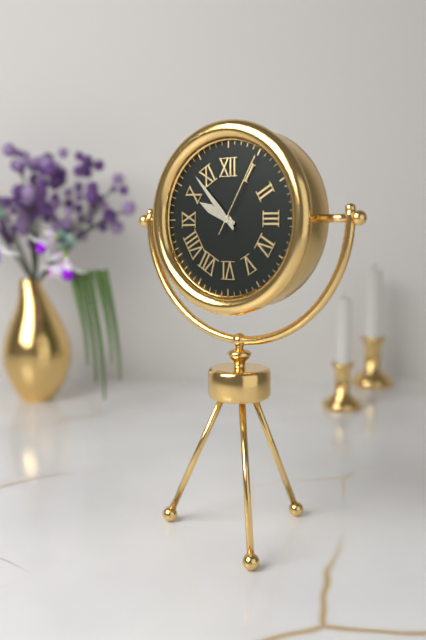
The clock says 9,53,05
